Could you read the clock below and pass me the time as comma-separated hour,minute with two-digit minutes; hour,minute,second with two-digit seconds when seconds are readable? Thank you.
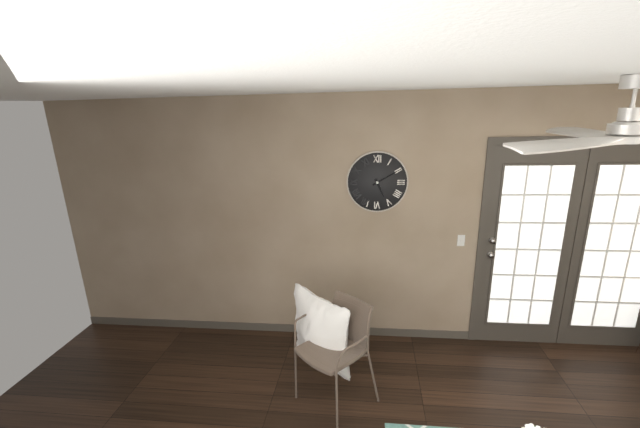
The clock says 5,10
